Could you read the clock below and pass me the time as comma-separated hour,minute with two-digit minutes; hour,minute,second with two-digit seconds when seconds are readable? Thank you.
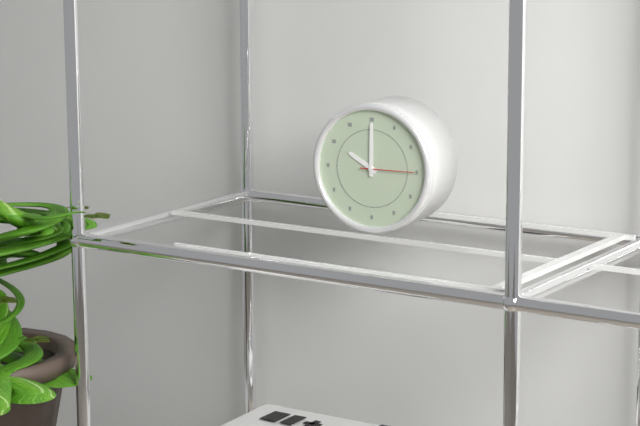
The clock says 10,00,15
